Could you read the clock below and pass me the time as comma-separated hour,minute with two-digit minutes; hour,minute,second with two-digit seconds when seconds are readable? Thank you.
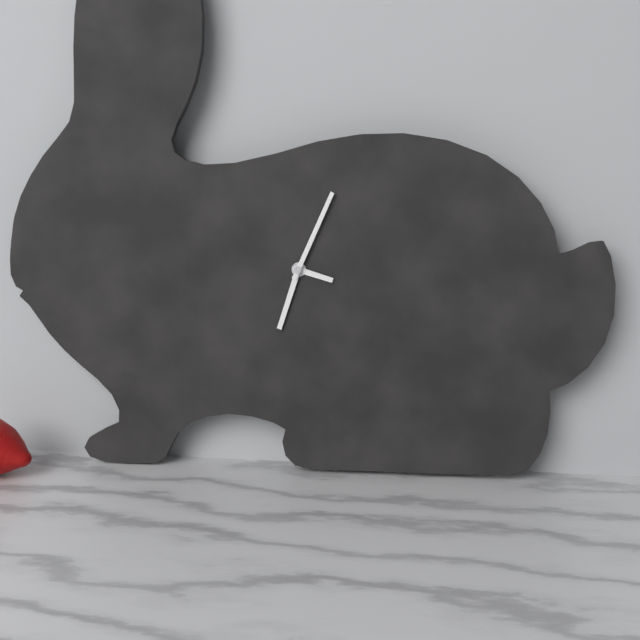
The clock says 3,33,04
